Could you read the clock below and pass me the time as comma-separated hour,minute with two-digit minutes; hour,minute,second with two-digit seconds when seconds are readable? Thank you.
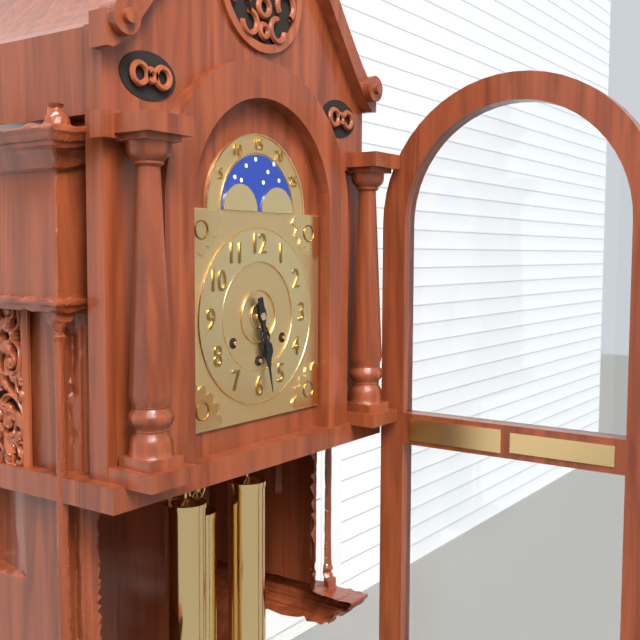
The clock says 5,28
